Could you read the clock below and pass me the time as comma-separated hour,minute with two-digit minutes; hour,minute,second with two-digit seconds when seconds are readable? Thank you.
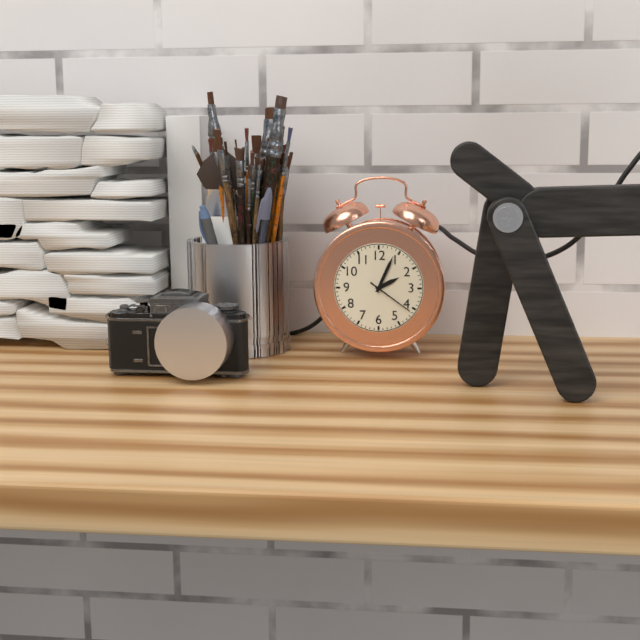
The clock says 2,04
